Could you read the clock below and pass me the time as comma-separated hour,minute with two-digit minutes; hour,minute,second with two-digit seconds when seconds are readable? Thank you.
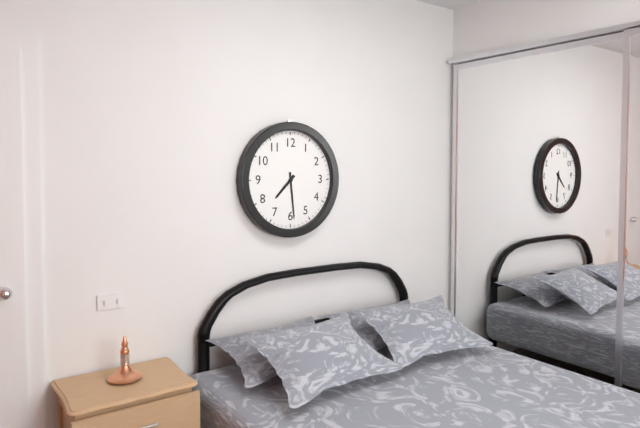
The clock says 7,29
